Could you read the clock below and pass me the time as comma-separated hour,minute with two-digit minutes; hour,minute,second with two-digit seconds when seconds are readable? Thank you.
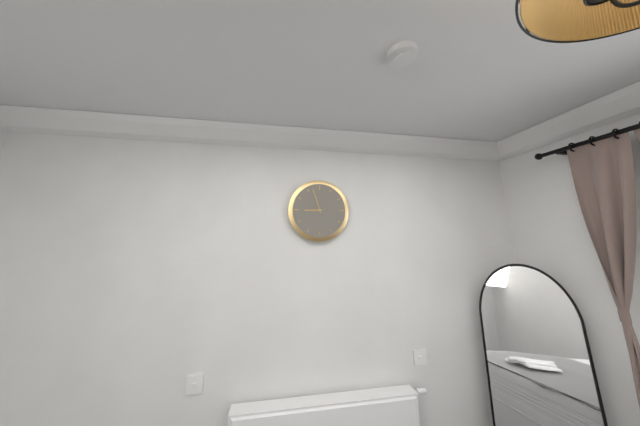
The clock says 8,57
